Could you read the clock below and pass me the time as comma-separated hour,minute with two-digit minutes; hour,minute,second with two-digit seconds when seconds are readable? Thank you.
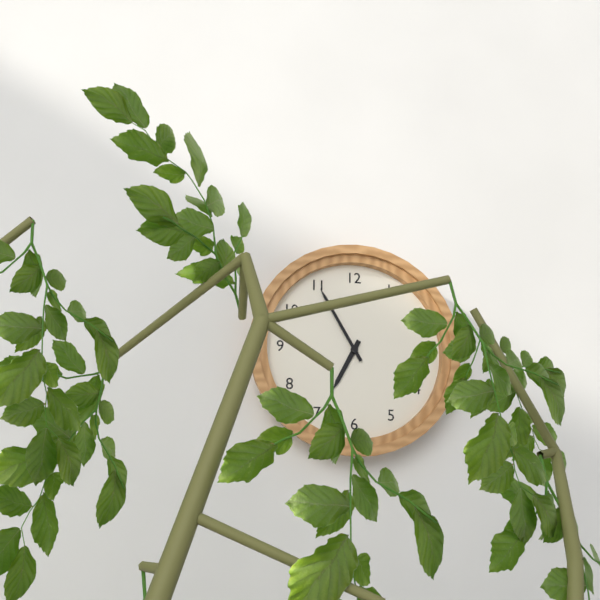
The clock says 6,55
